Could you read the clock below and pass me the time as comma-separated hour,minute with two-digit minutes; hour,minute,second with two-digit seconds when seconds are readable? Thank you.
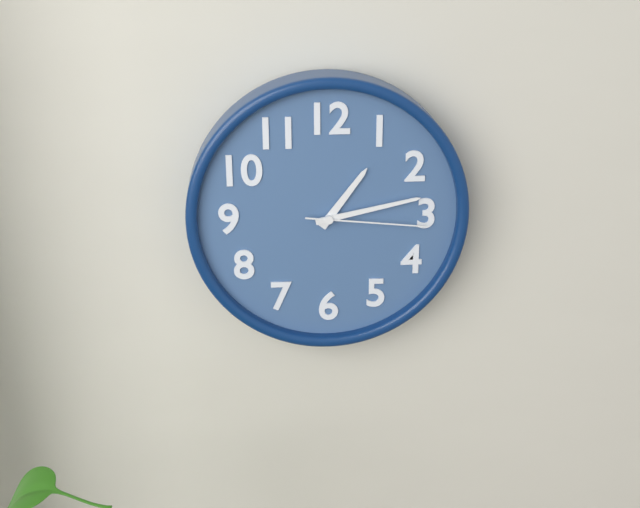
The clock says 1,13,16
